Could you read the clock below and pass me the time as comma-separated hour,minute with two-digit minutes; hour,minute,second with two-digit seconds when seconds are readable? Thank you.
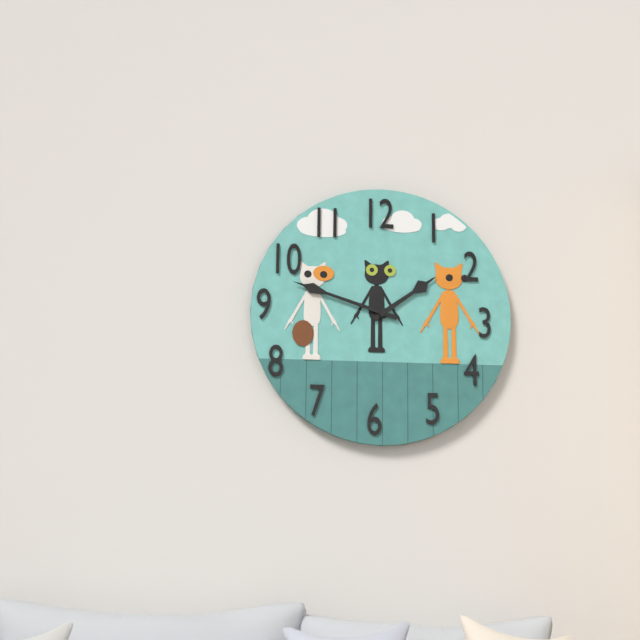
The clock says 1,48
